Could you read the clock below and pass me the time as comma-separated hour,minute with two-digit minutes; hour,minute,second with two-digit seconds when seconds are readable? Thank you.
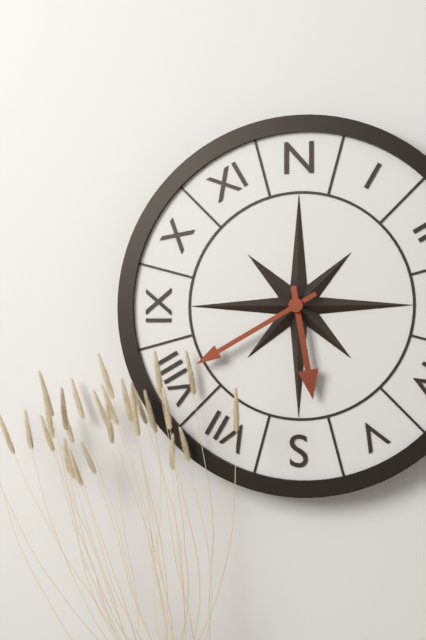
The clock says 5,40
